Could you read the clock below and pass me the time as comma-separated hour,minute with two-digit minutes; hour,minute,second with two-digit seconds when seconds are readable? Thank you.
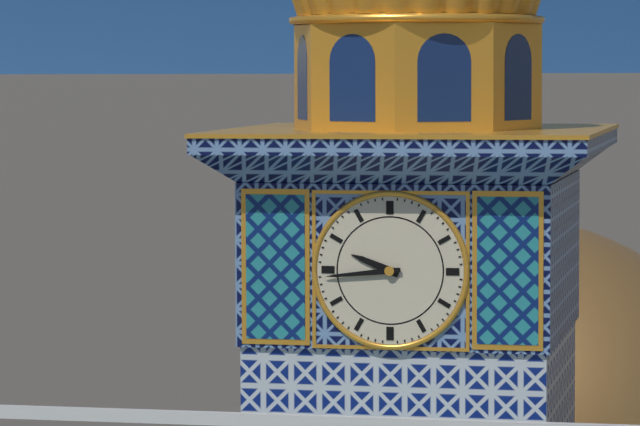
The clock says 9,44
